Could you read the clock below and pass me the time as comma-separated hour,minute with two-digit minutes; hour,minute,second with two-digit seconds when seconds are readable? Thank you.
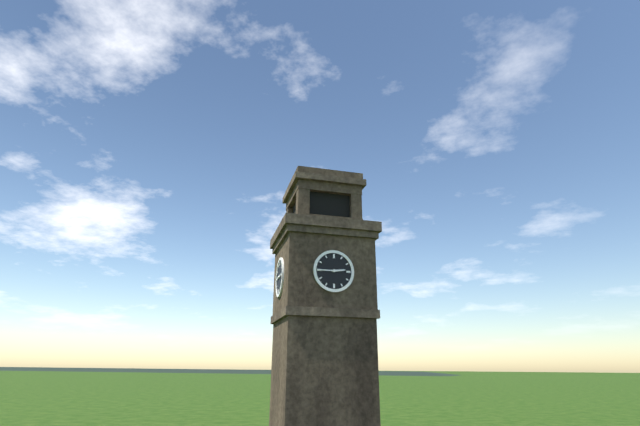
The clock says 2,45
